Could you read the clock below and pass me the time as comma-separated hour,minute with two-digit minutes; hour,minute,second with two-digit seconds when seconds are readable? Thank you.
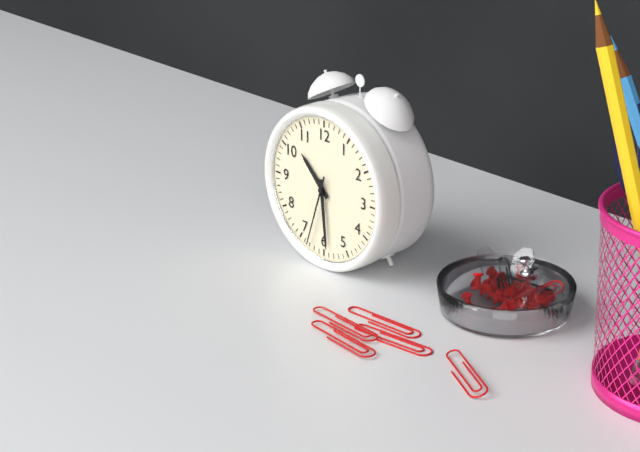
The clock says 10,29,33
